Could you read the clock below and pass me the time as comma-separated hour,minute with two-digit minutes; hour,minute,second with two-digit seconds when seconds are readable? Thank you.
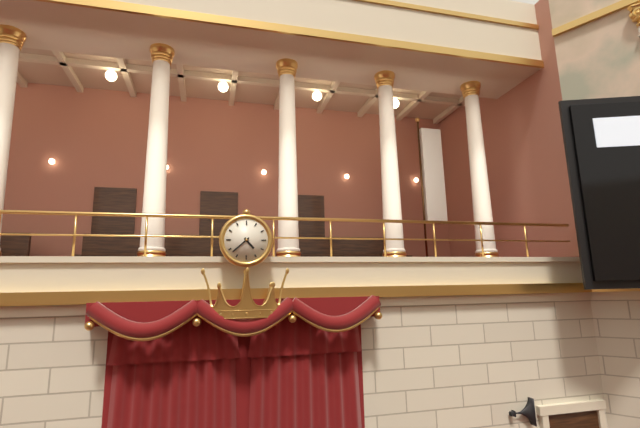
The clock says 4,38
